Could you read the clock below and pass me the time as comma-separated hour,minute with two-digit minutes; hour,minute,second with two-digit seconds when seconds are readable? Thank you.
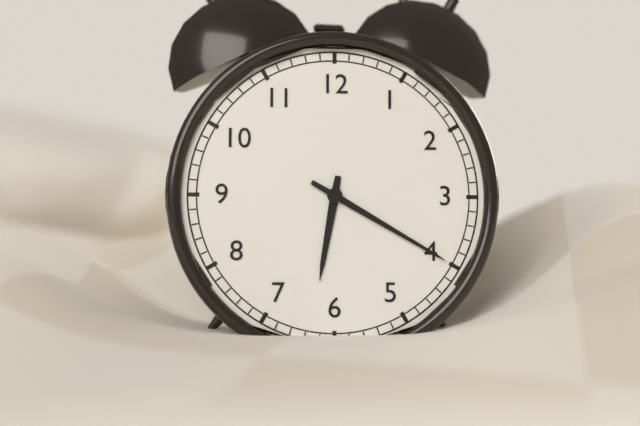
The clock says 6,20
